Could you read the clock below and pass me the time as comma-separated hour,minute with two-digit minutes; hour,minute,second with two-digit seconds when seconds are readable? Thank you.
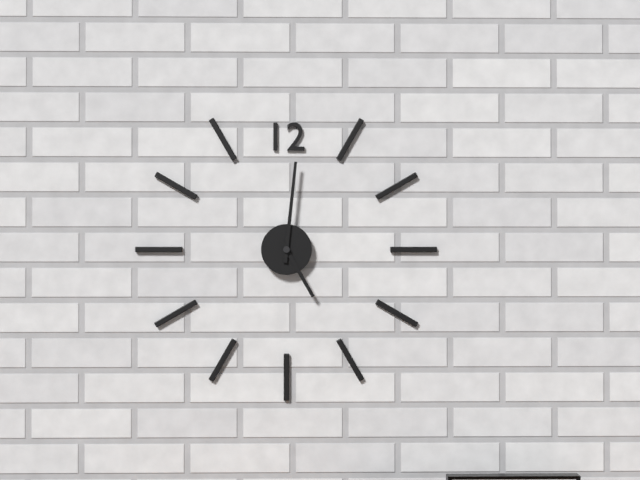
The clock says 5,01
